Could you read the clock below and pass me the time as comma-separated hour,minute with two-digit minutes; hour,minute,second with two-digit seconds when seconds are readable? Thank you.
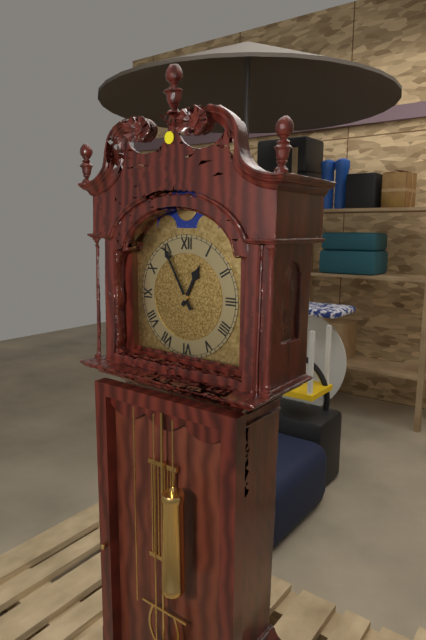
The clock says 12,55
